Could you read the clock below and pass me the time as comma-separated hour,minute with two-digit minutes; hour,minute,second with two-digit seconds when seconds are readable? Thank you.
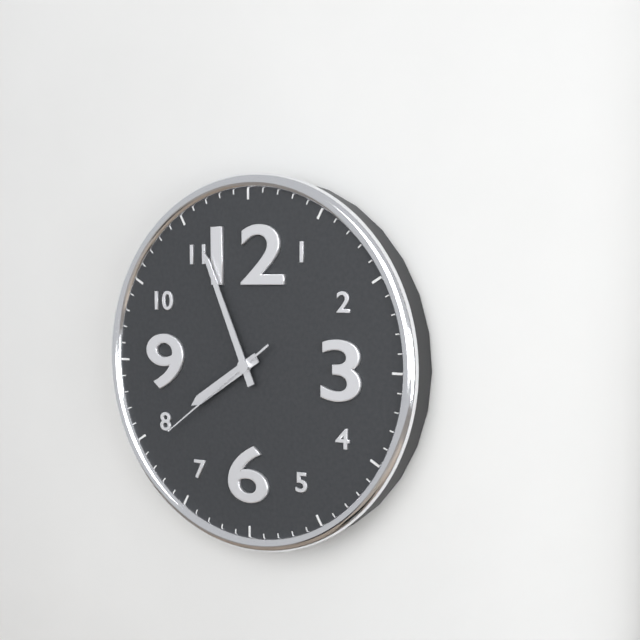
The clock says 7,56,39
